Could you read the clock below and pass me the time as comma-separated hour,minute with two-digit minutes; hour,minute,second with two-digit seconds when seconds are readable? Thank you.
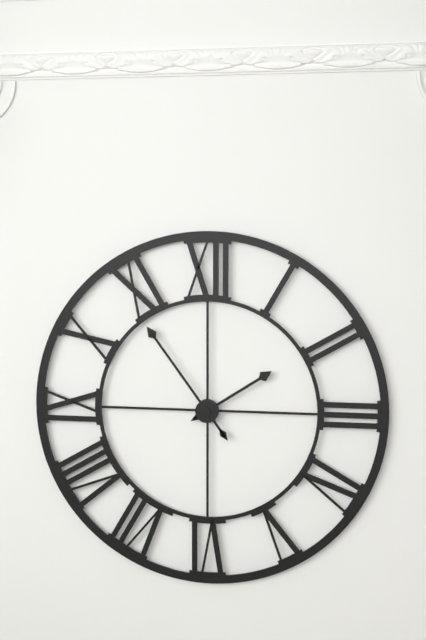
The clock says 1,54
